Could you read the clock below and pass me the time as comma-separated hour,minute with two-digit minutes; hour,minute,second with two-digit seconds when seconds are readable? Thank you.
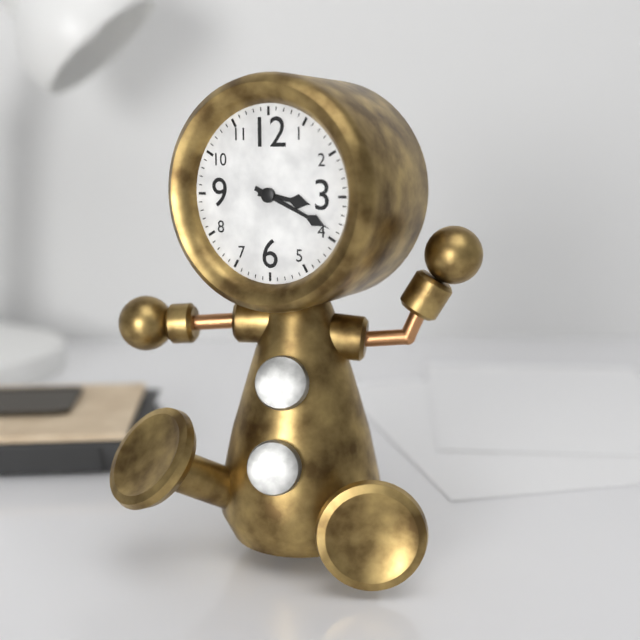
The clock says 3,19
